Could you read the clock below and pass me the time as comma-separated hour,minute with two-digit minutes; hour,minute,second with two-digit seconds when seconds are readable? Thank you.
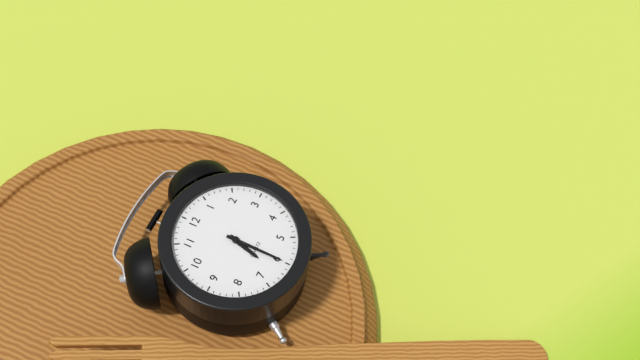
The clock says 6,30
